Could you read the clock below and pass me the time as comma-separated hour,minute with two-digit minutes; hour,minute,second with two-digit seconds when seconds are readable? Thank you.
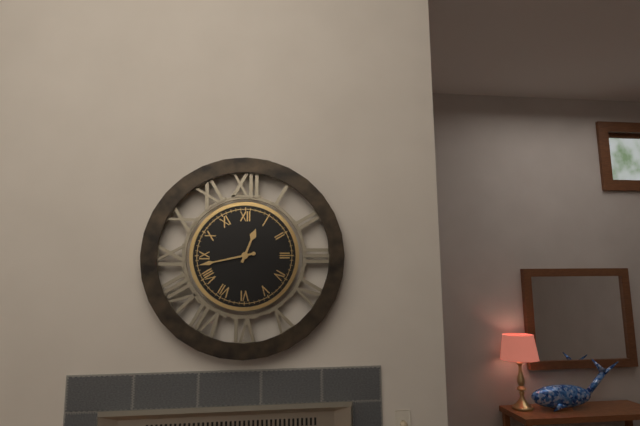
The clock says 12,43
